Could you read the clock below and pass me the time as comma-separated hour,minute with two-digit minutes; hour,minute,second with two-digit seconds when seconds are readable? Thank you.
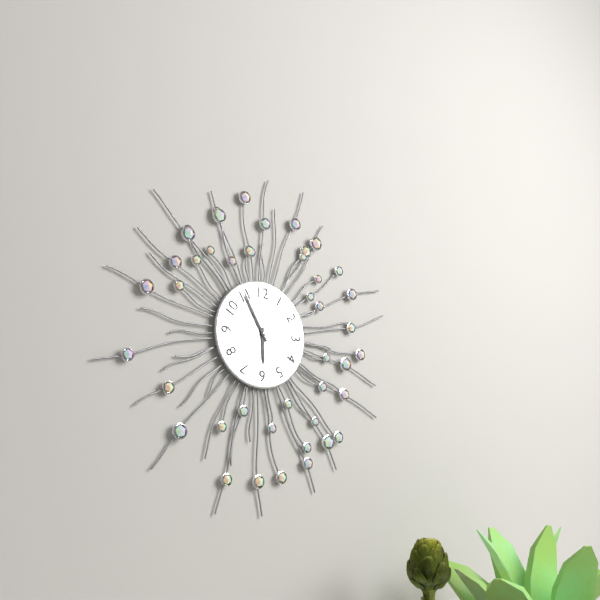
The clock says 5,55
